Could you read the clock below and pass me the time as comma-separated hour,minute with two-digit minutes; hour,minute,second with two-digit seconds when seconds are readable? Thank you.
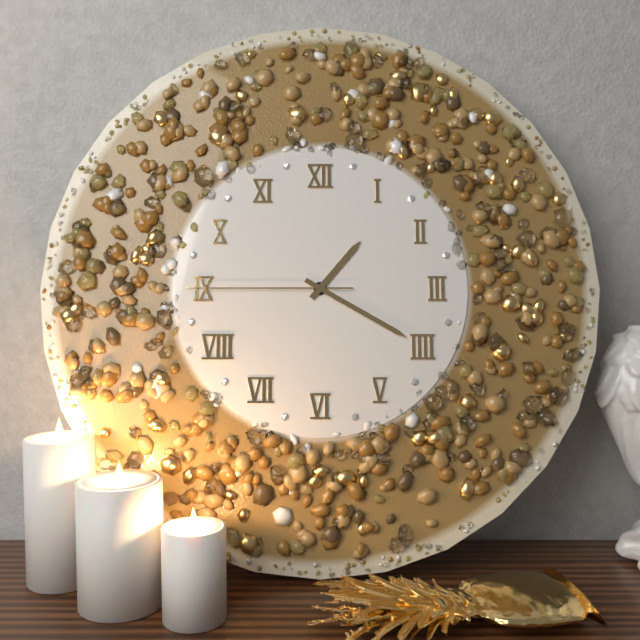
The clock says 1,20,45
